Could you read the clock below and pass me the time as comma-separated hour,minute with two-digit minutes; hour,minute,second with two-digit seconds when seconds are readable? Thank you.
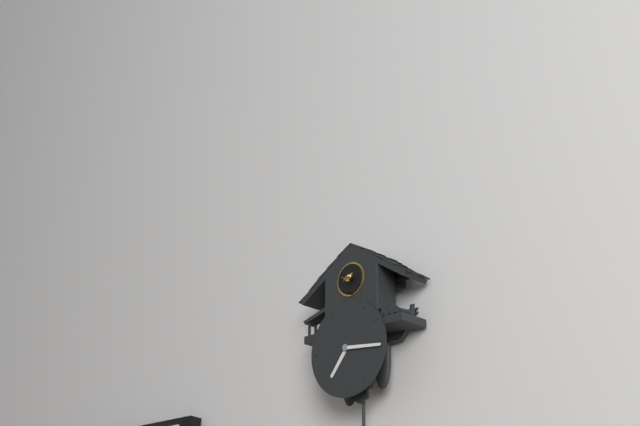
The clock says 7,16
